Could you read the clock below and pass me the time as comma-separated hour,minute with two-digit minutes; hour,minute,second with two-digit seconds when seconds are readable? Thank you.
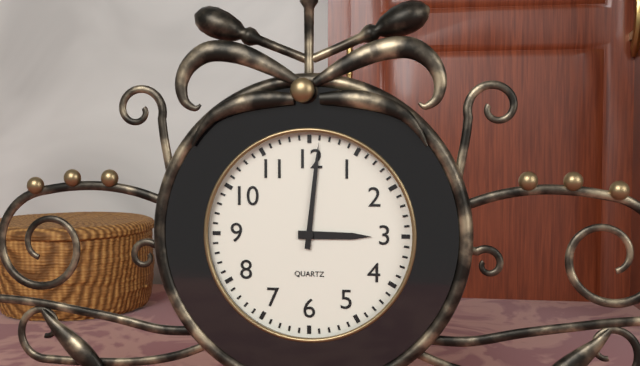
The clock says 3,01
